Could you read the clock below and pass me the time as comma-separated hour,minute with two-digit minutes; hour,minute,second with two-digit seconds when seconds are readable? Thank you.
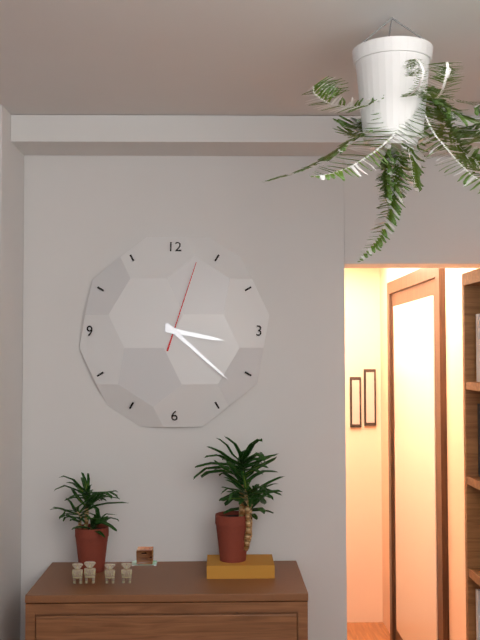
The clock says 3,22,03
